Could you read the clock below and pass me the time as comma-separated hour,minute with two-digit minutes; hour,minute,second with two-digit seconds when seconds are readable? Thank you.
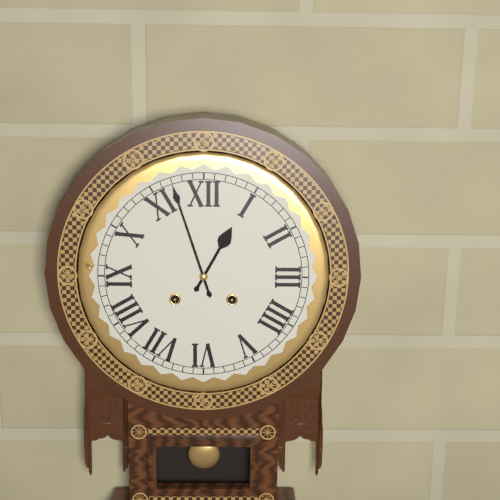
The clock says 12,57
